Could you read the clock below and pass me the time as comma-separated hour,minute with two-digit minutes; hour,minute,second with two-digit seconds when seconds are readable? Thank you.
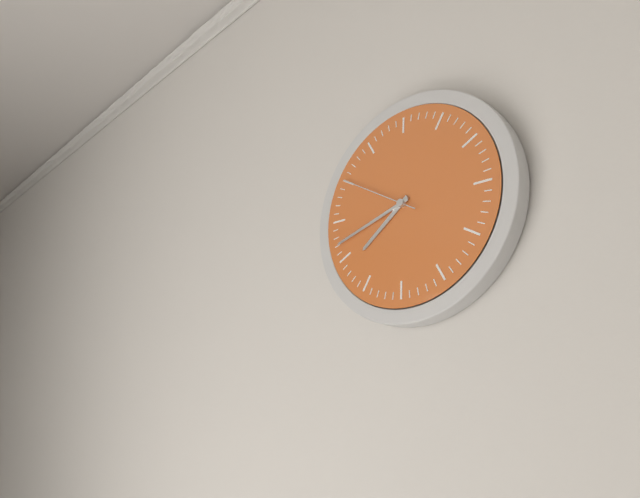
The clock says 7,42,50
